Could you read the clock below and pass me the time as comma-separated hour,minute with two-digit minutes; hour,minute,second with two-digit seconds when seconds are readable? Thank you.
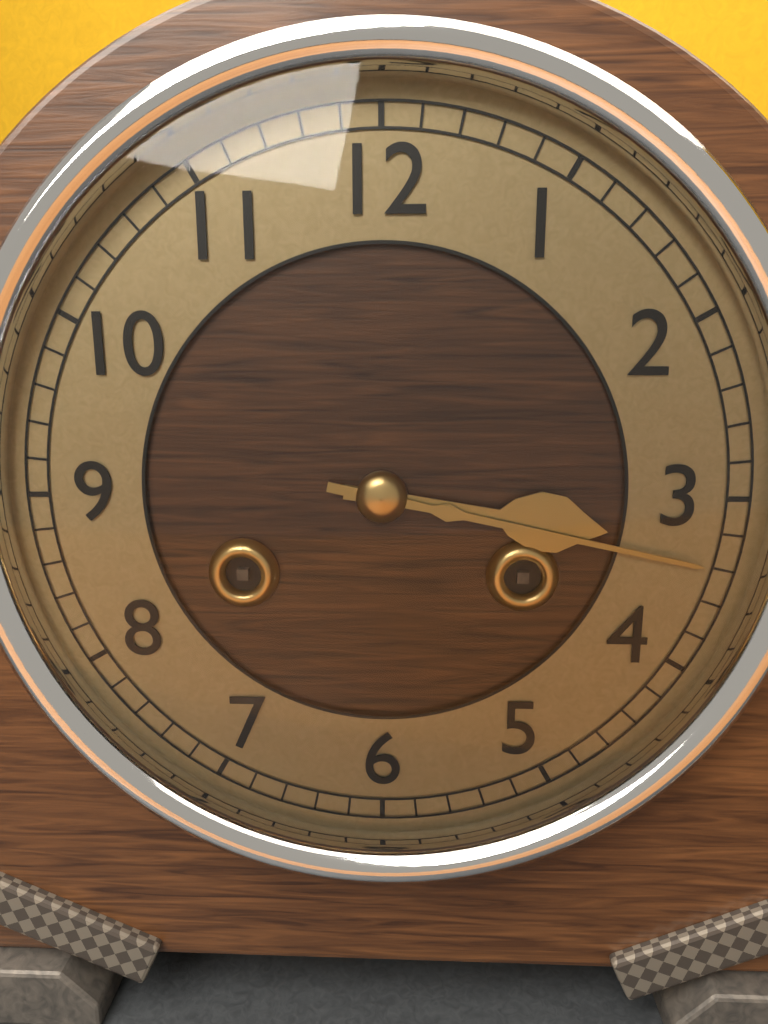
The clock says 3,17
